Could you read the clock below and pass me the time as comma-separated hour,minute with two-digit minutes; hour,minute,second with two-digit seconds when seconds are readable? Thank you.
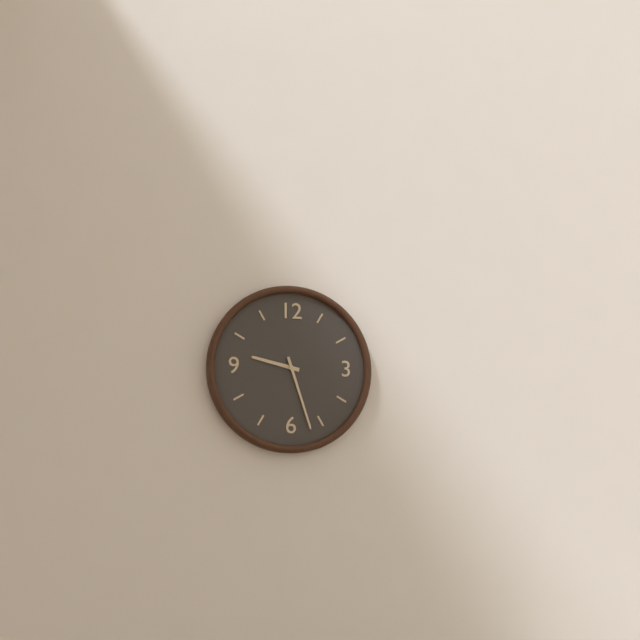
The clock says 9,27
